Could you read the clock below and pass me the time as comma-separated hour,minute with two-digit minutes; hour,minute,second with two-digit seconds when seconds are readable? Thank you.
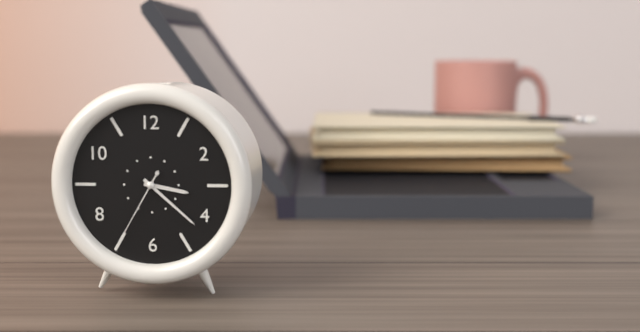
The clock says 3,22,35
